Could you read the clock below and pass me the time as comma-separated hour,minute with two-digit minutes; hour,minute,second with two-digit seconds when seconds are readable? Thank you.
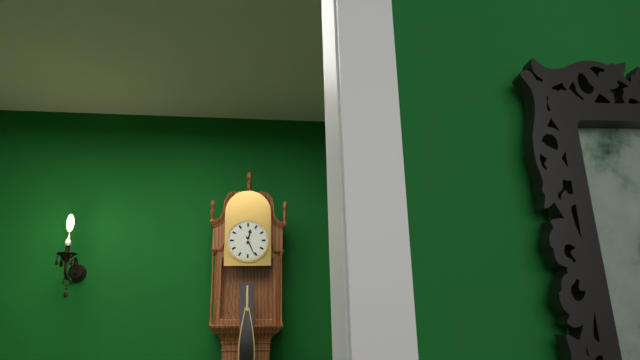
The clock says 12,26
